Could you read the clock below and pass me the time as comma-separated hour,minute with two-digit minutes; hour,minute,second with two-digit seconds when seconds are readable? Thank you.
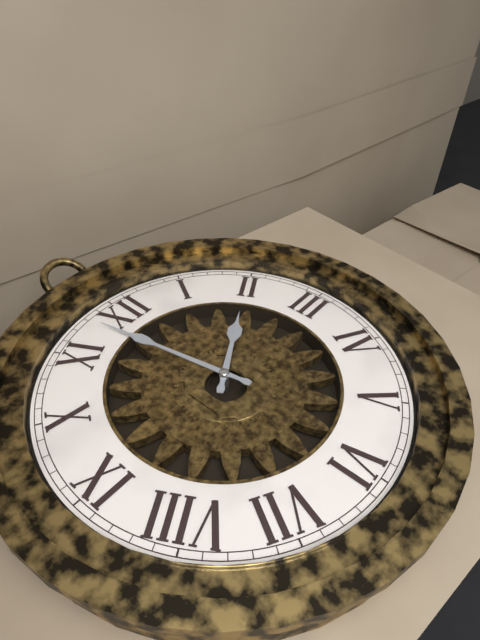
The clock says 1,58
